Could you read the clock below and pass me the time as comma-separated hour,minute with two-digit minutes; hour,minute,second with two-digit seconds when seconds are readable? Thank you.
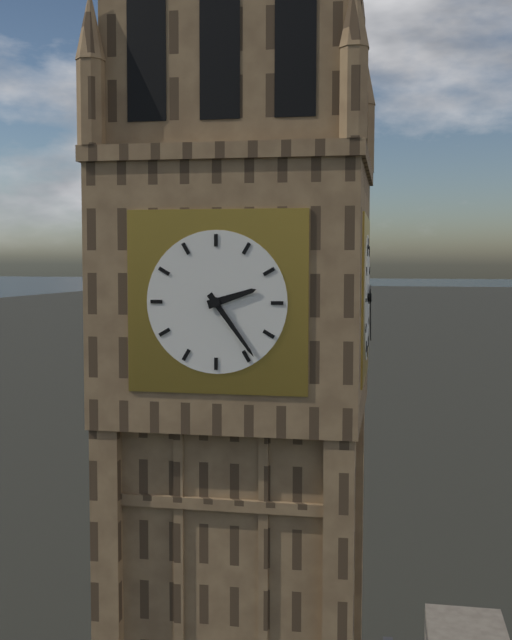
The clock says 2,24
